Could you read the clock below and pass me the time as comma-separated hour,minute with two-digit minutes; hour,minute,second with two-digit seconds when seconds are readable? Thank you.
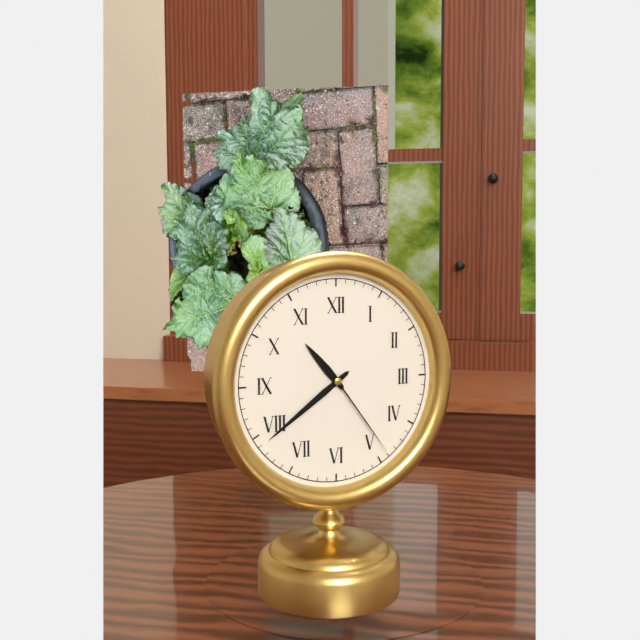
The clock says 10,39,24
